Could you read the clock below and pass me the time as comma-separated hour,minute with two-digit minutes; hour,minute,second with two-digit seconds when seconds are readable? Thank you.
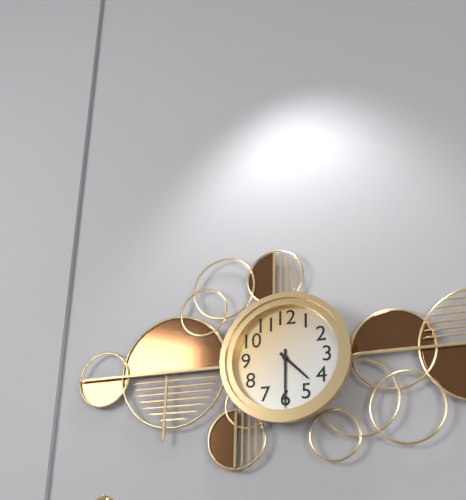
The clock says 4,30
